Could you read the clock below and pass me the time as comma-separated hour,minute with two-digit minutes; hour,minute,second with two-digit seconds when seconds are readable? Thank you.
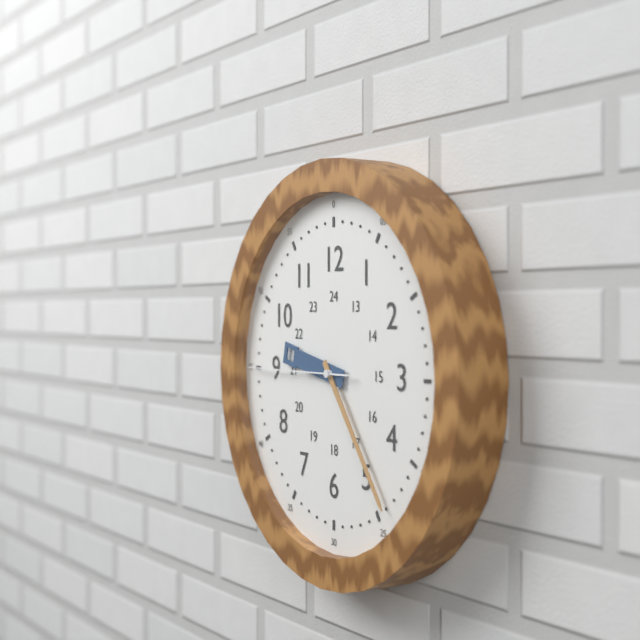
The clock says 9,24,45
